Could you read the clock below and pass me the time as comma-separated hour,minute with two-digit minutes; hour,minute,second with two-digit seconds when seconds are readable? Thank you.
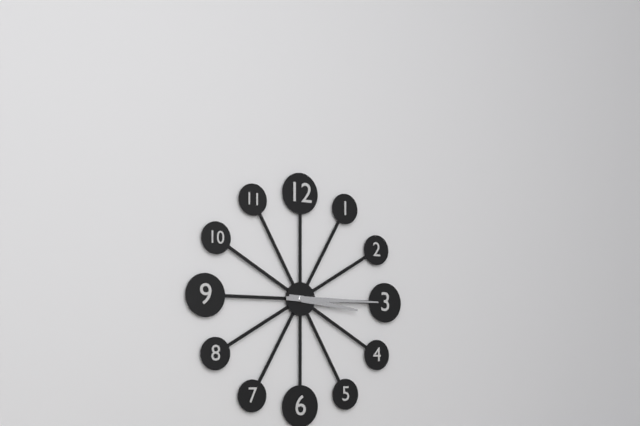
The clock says 3,15
